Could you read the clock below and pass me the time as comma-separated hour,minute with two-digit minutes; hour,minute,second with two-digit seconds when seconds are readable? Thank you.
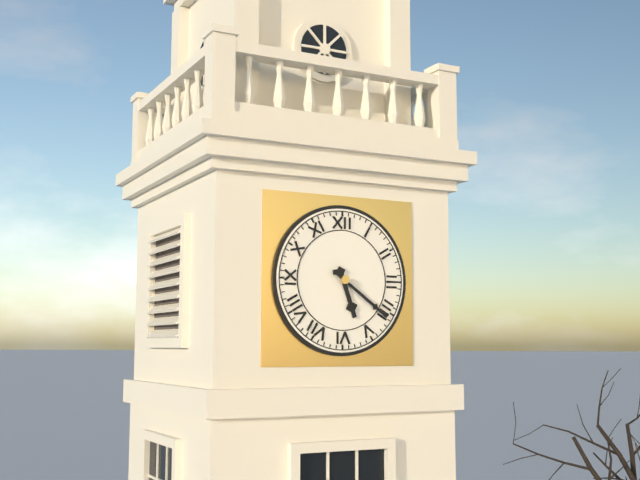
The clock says 5,21
